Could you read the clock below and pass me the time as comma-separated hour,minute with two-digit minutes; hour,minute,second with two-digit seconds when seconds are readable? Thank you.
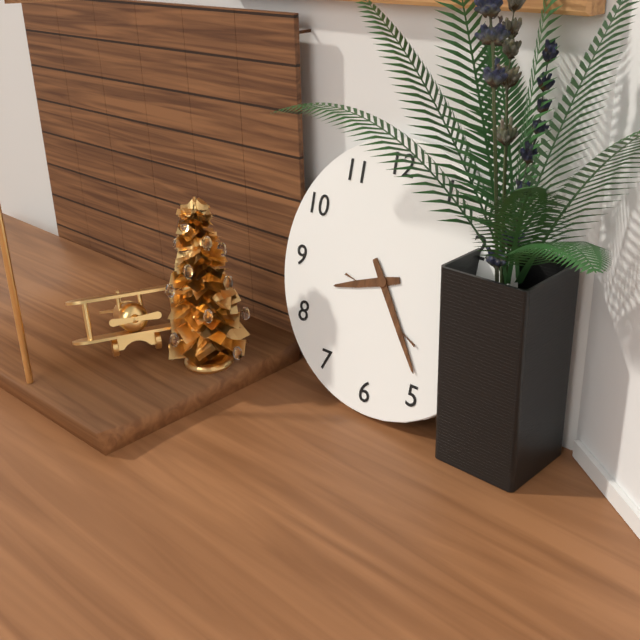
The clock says 8,24
